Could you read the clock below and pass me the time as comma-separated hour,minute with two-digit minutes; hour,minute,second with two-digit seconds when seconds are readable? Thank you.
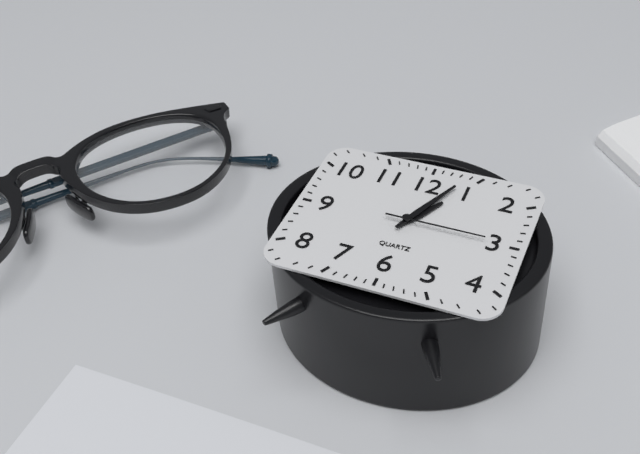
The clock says 1,04,15
